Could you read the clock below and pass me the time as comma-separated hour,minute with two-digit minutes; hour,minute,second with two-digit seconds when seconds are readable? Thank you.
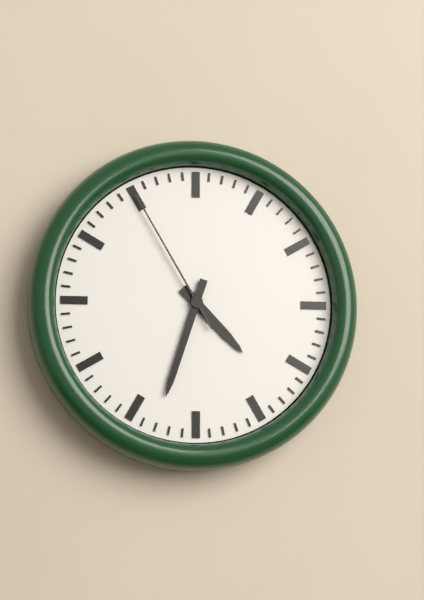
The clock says 4,33,55
